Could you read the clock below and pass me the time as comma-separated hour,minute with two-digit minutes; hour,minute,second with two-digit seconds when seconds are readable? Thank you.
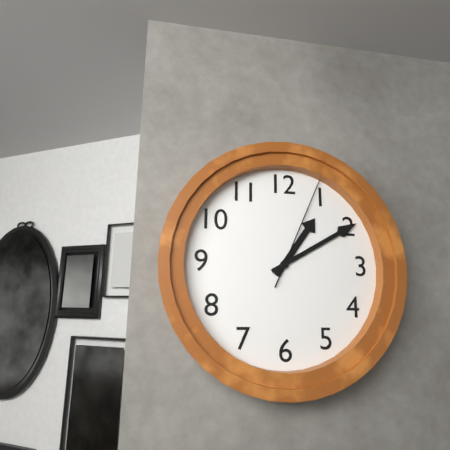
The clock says 1,10,04
